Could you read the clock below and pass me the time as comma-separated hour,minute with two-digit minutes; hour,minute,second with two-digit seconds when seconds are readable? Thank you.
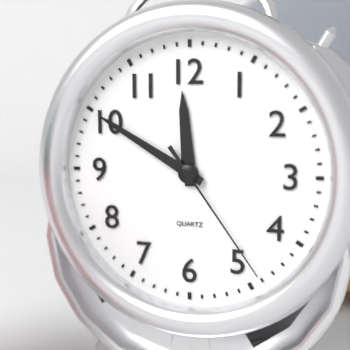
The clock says 11,50,24
